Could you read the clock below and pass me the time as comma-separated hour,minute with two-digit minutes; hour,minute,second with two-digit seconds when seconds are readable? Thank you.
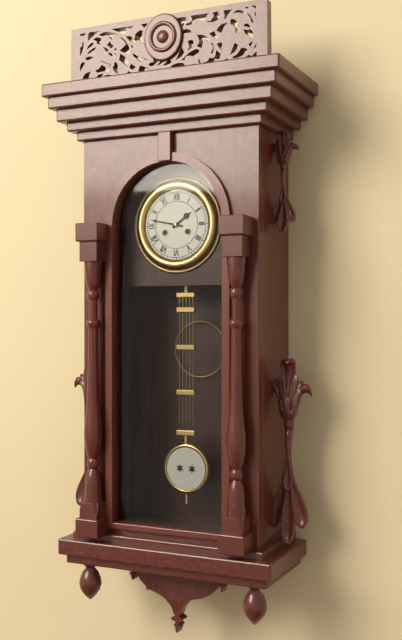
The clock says 1,47
